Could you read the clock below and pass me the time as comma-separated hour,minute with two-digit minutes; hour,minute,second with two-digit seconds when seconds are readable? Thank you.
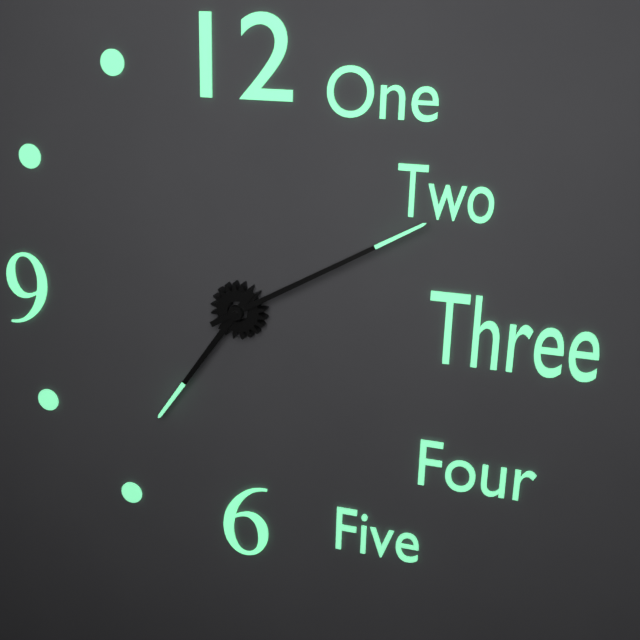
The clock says 7,10
